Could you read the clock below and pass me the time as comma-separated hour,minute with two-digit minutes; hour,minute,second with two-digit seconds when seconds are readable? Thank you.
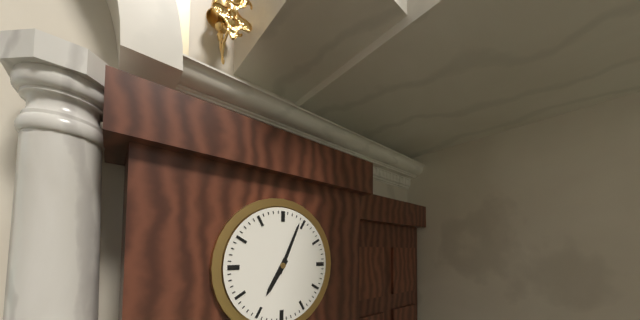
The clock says 7,04
